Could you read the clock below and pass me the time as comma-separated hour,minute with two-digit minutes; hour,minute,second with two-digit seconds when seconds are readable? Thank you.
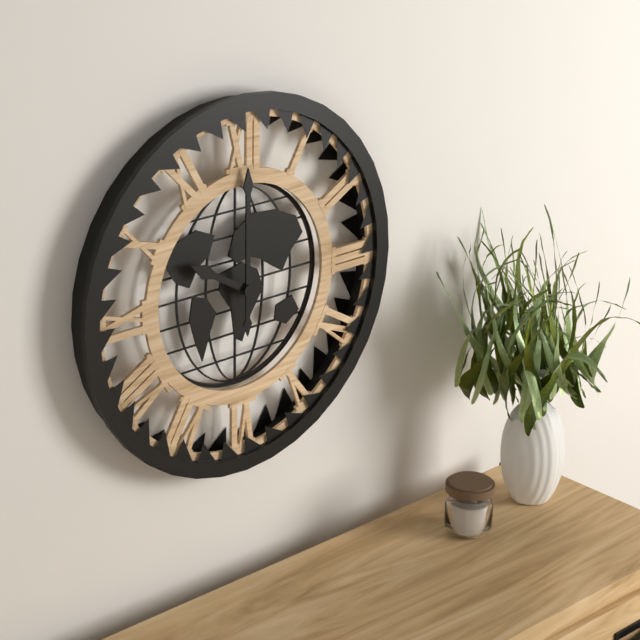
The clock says 10,00
